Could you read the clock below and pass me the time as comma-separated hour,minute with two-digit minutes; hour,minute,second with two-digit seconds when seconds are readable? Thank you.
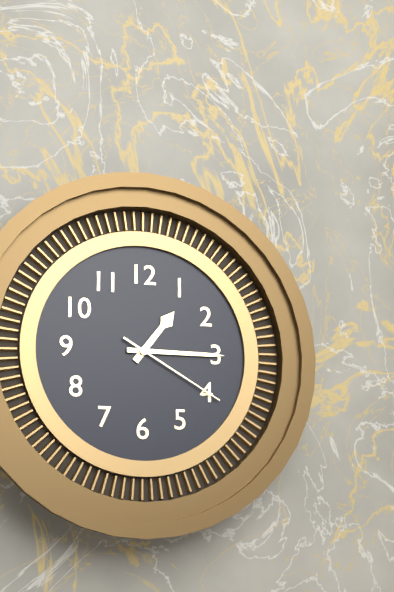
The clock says 1,15,20
